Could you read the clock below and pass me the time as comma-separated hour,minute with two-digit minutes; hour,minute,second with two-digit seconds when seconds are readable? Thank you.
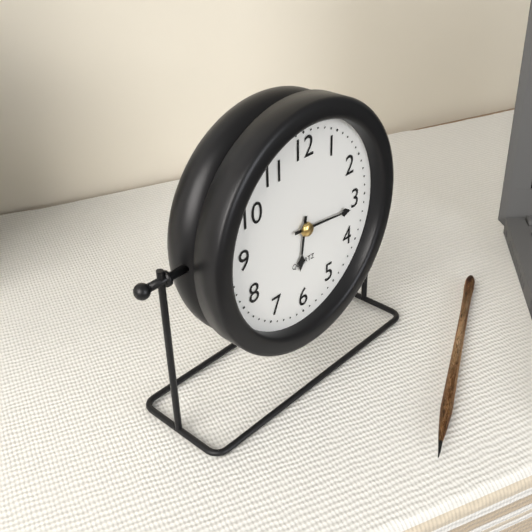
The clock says 6,16
